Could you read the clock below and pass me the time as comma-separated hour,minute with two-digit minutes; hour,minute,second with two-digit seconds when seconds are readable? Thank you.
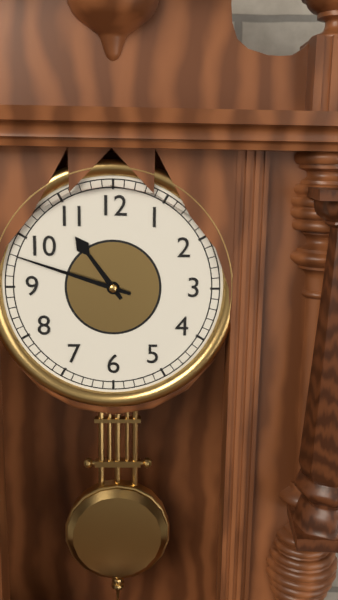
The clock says 10,48
